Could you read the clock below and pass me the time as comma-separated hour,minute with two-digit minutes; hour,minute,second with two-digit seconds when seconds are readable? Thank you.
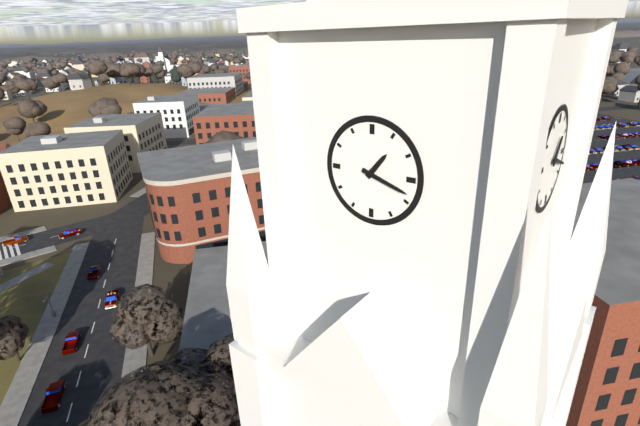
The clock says 1,18
